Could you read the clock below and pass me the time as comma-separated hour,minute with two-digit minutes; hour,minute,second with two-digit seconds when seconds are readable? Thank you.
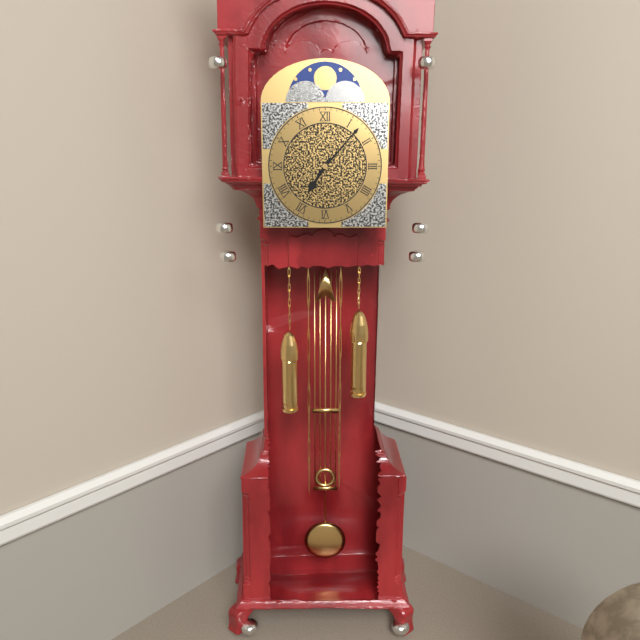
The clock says 7,07
